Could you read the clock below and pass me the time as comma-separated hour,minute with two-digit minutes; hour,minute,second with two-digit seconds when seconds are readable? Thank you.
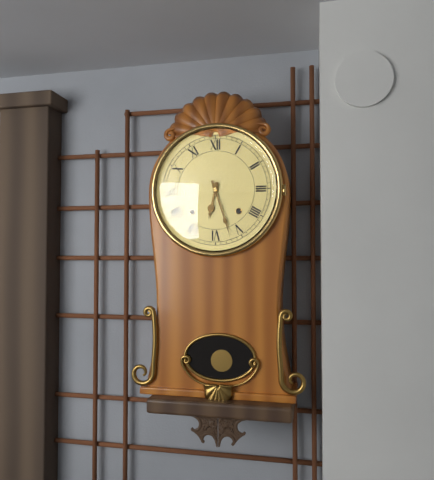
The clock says 6,27
